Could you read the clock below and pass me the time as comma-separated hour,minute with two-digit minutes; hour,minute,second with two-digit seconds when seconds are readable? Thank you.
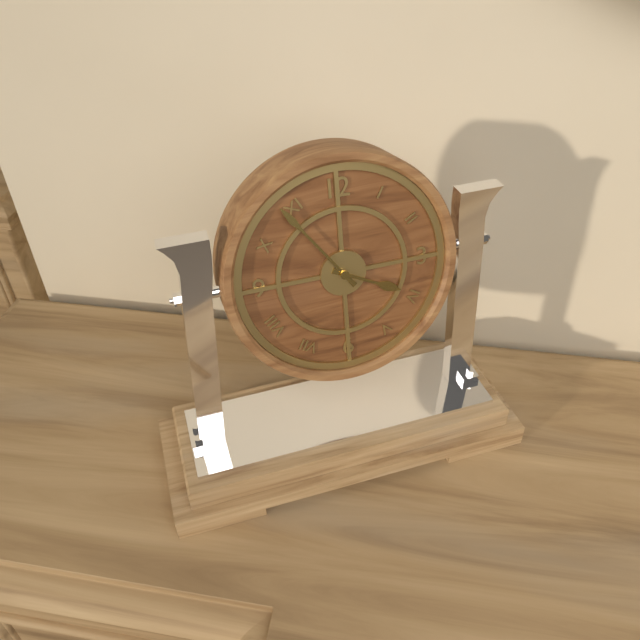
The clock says 3,54
